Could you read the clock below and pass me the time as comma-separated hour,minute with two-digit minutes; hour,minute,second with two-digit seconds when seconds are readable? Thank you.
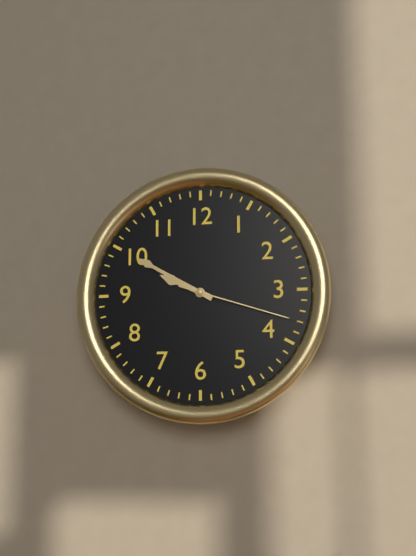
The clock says 9,50,18
